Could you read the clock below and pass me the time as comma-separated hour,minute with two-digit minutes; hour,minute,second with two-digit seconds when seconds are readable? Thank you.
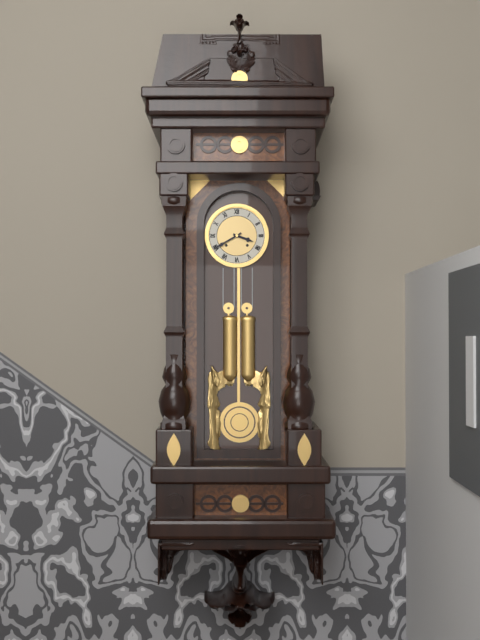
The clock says 3,40
